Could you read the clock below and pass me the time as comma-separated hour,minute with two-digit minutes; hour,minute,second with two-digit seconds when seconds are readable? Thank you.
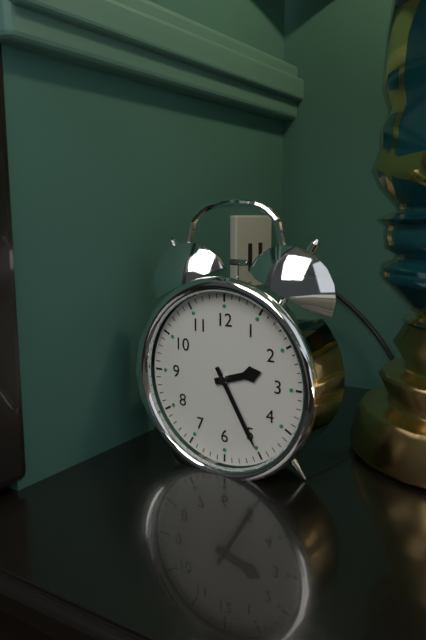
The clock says 2,25
